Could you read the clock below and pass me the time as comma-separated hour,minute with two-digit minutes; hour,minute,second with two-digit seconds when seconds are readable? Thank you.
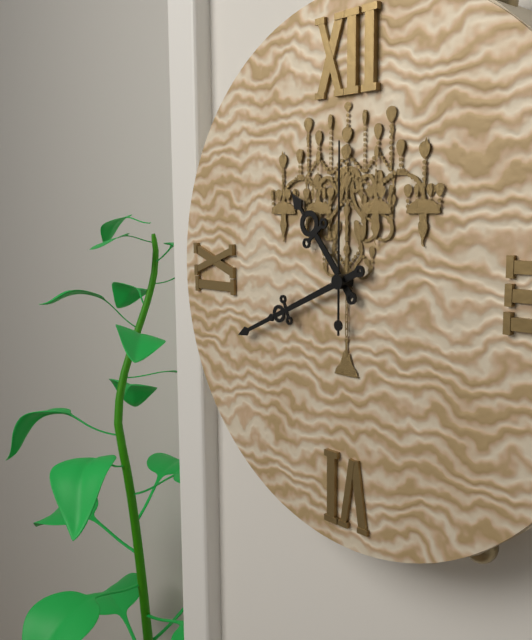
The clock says 10,41,00
